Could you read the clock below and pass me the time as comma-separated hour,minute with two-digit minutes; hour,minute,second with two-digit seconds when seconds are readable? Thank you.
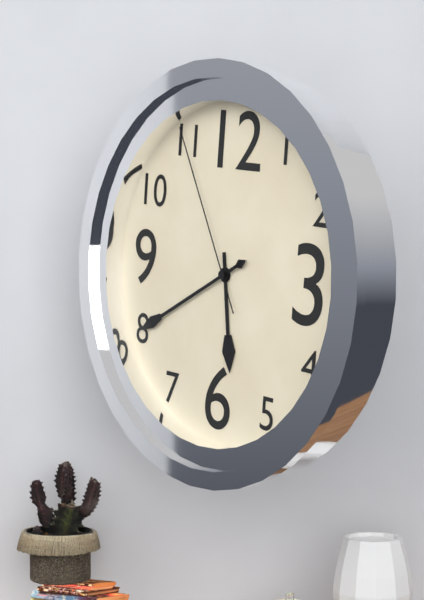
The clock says 5,40,55
